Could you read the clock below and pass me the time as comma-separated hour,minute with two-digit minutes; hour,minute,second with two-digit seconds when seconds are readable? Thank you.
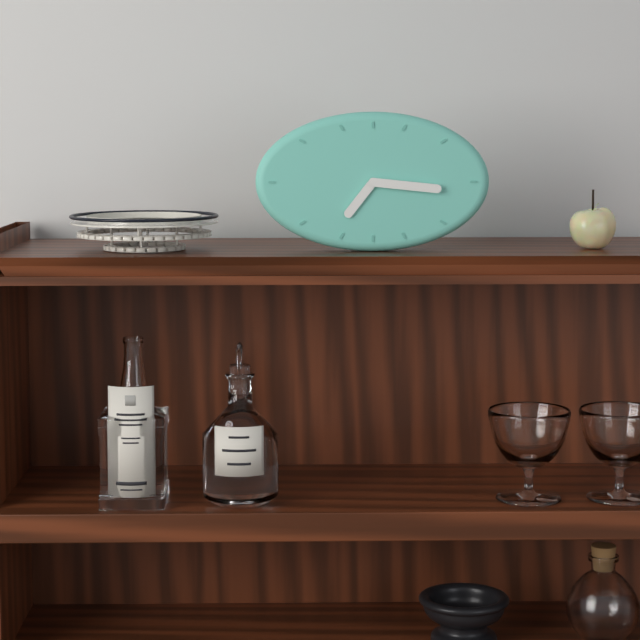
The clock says 7,16
